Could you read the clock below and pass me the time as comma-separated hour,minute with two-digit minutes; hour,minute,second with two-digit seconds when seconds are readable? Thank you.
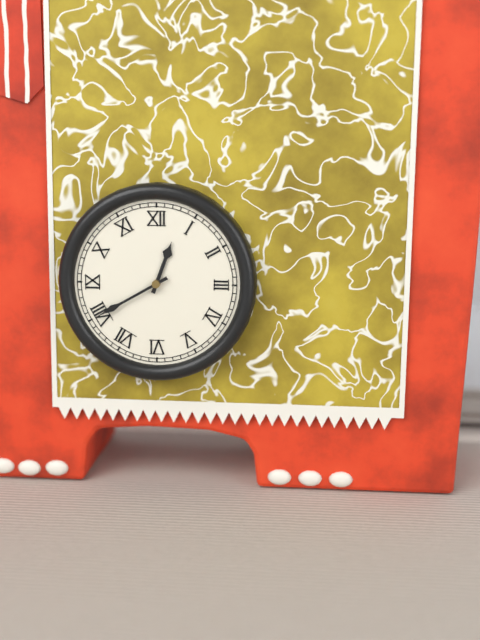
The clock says 12,40
